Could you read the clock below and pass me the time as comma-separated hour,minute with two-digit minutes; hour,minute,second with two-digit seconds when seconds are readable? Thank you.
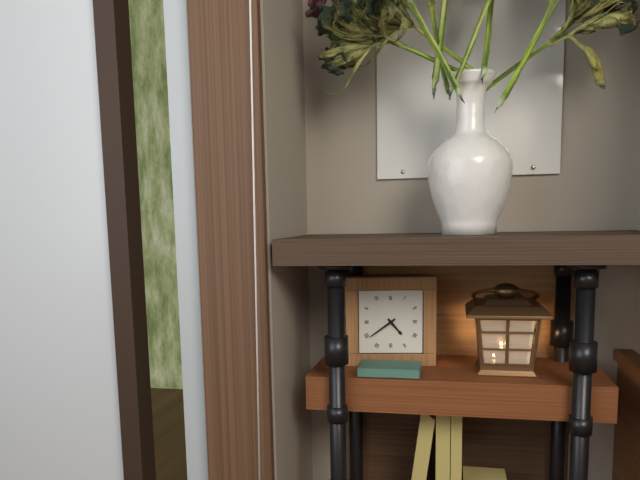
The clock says 4,39
